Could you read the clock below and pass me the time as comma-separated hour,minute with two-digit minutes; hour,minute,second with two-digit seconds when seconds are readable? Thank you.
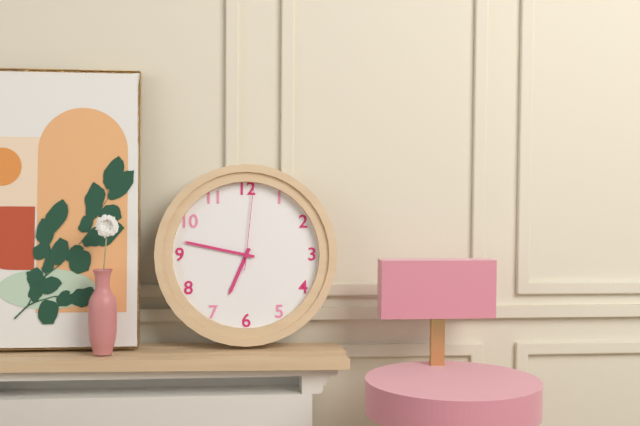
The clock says 6,47,01
